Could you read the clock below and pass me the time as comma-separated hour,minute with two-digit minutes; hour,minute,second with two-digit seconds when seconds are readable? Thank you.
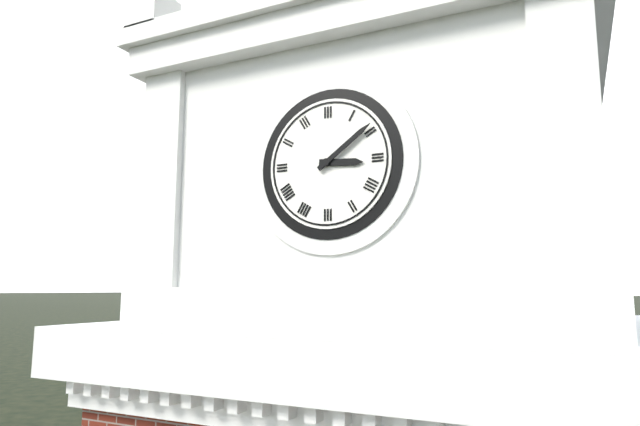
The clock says 3,09
